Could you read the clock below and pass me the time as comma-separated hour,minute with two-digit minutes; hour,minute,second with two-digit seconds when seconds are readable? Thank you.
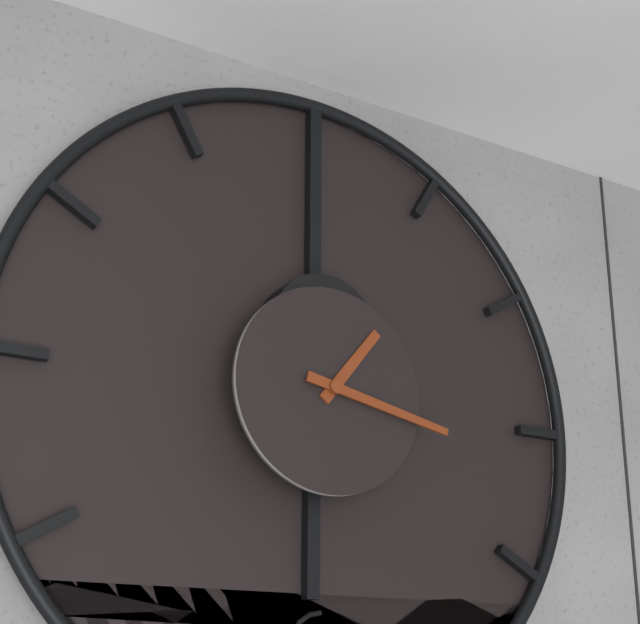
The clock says 1,17
